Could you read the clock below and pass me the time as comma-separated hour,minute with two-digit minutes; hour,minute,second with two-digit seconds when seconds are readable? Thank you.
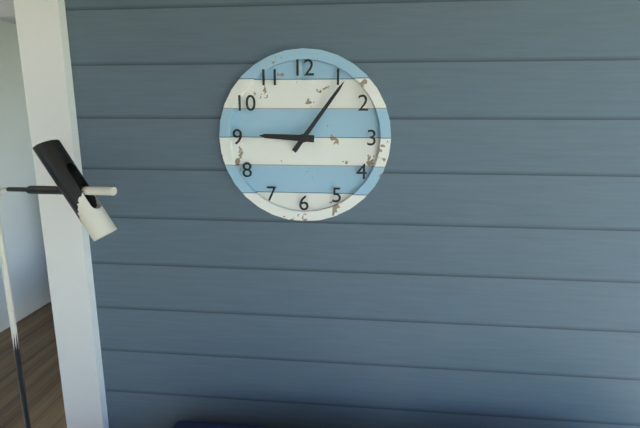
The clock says 9,06
